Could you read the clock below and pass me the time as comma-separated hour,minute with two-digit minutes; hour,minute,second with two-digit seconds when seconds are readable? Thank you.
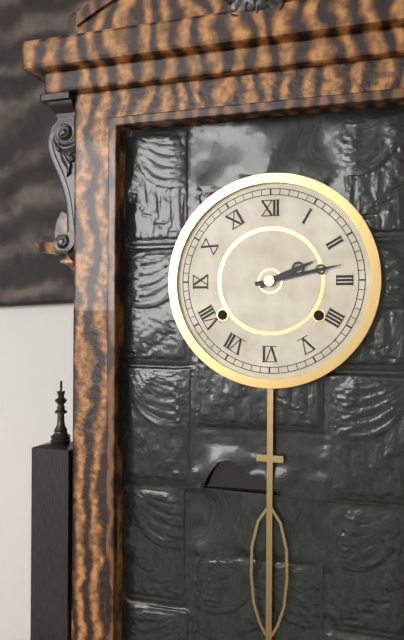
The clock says 2,13
